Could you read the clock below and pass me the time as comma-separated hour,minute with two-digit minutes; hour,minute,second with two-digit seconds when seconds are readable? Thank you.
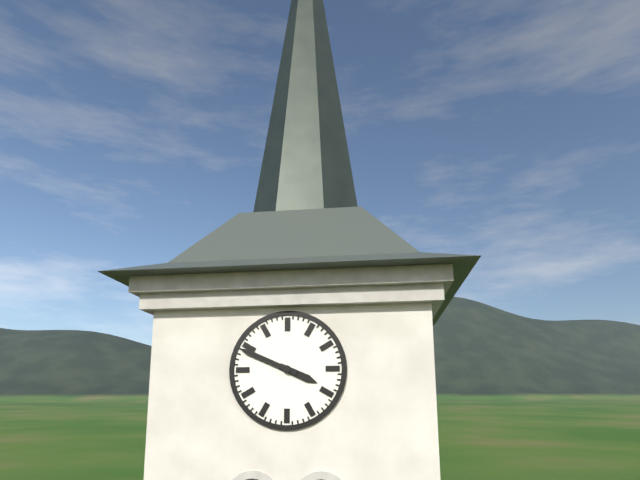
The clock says 3,49
